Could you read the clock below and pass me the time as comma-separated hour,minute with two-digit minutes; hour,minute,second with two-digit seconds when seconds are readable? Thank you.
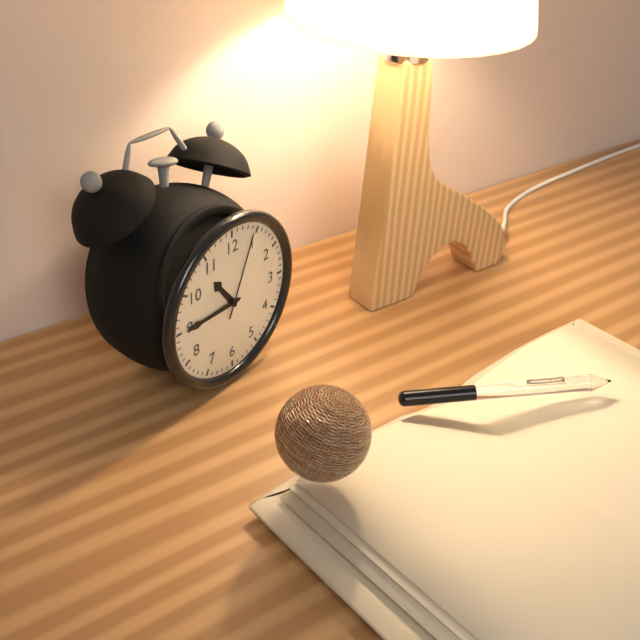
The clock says 10,45,04
